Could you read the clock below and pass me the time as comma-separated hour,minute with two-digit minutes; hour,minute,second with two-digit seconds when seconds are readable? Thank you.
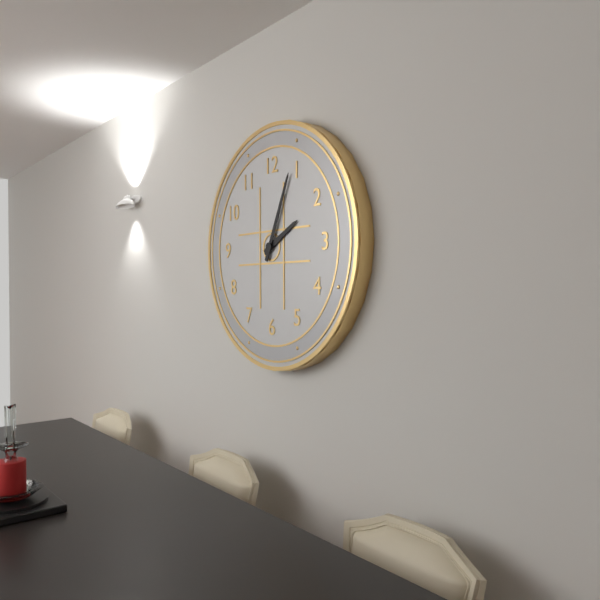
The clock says 2,04
